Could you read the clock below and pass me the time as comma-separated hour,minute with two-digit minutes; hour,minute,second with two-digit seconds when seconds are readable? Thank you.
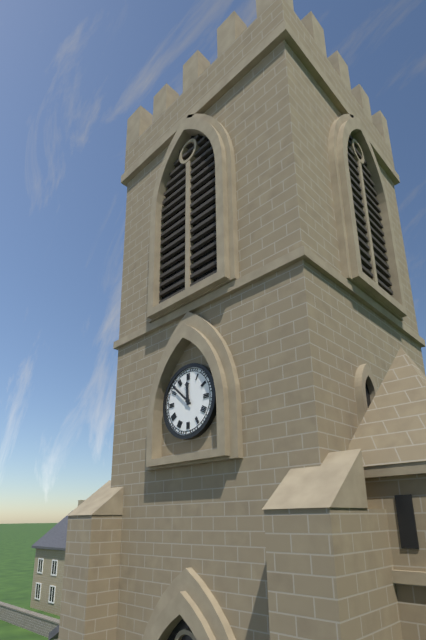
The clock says 11,52
